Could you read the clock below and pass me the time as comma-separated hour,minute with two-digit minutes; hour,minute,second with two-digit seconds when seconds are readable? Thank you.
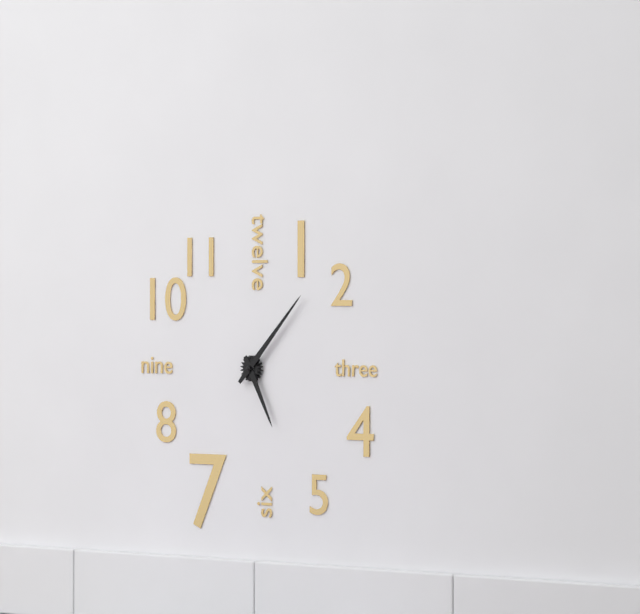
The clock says 5,07
